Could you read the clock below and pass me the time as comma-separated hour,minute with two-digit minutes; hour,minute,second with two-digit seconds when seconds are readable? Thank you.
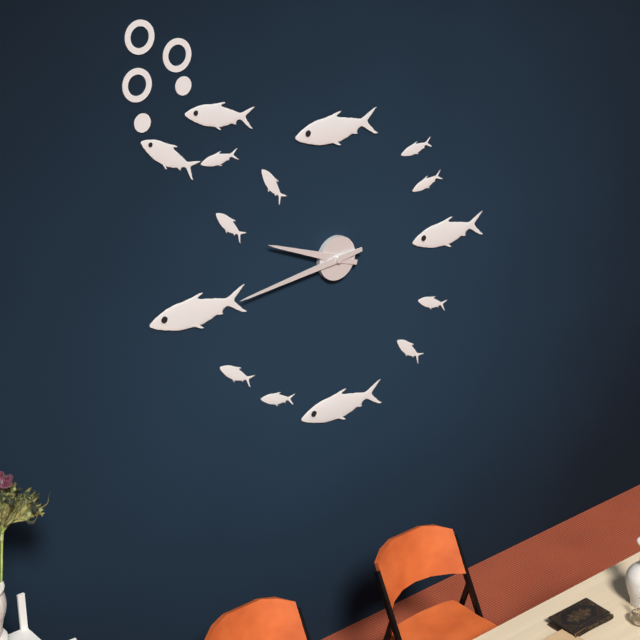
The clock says 9,44
